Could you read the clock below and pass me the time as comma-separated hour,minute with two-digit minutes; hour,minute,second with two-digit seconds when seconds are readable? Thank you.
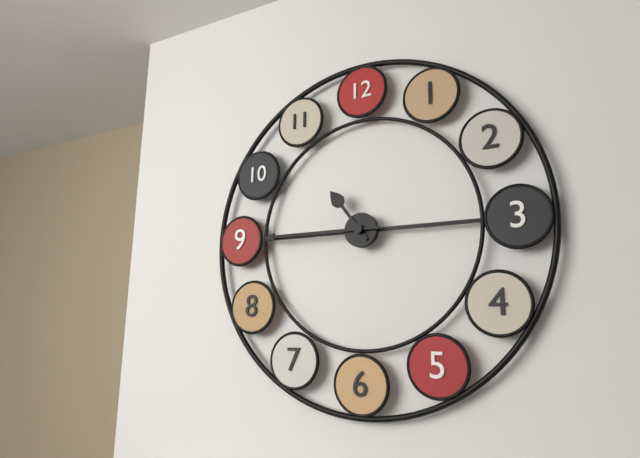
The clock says 10,45
